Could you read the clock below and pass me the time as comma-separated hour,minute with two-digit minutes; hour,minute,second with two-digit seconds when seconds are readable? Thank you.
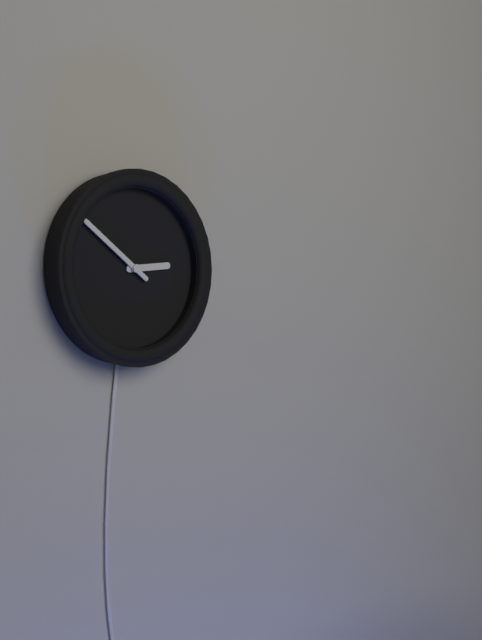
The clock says 2,51
